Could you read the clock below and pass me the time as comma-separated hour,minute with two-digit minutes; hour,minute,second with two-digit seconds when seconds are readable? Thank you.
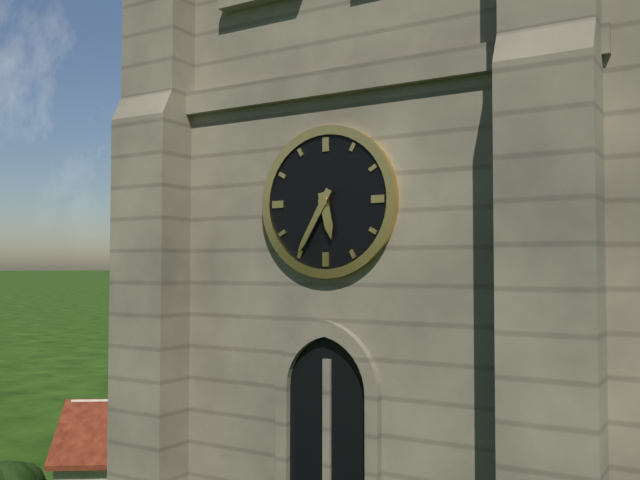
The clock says 5,35
